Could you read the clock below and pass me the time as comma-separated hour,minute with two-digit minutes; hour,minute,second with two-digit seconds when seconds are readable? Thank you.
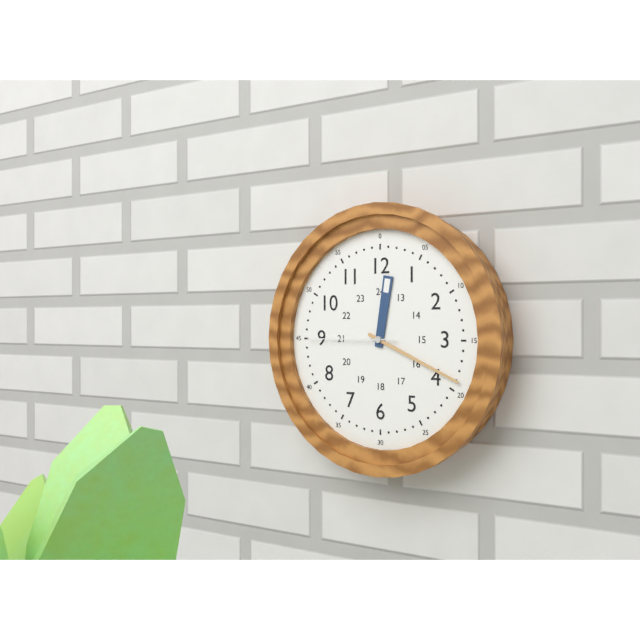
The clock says 12,19,45
